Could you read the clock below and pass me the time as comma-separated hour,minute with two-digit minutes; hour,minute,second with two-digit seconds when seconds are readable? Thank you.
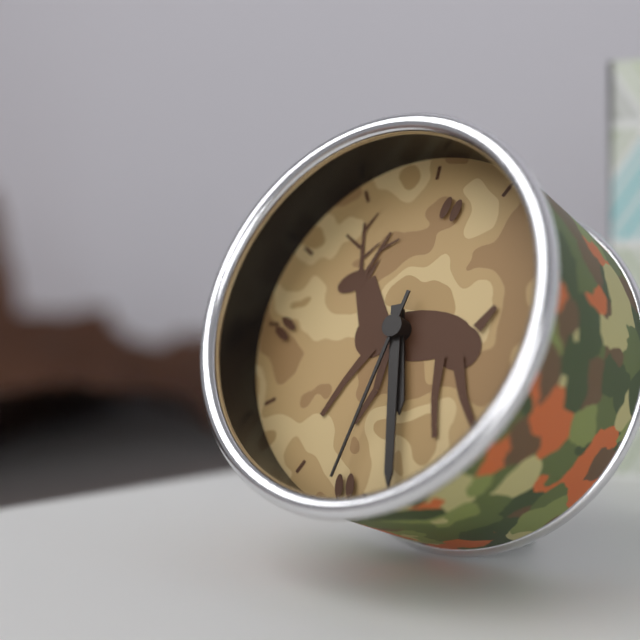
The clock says 5,28,32
